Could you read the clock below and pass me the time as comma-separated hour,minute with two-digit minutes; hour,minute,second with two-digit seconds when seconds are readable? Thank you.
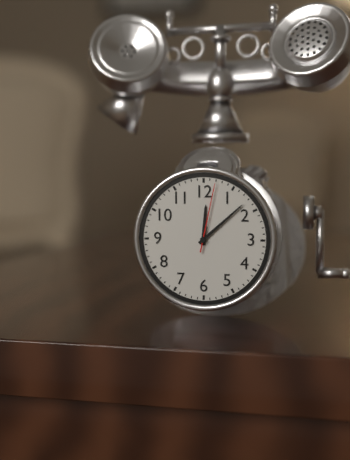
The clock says 12,08,02
